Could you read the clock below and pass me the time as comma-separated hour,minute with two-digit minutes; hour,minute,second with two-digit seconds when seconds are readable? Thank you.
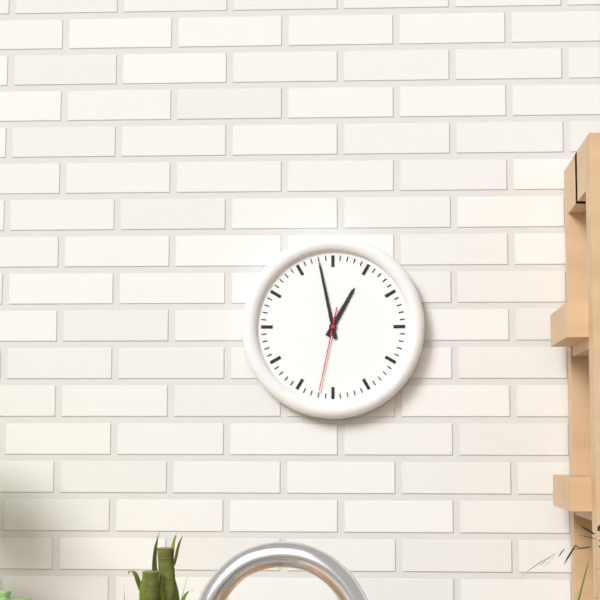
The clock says 12,58,32
